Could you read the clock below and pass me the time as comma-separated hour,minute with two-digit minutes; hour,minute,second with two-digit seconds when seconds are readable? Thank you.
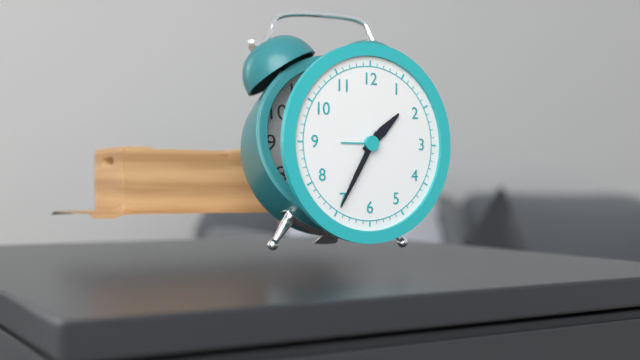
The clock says 1,35
